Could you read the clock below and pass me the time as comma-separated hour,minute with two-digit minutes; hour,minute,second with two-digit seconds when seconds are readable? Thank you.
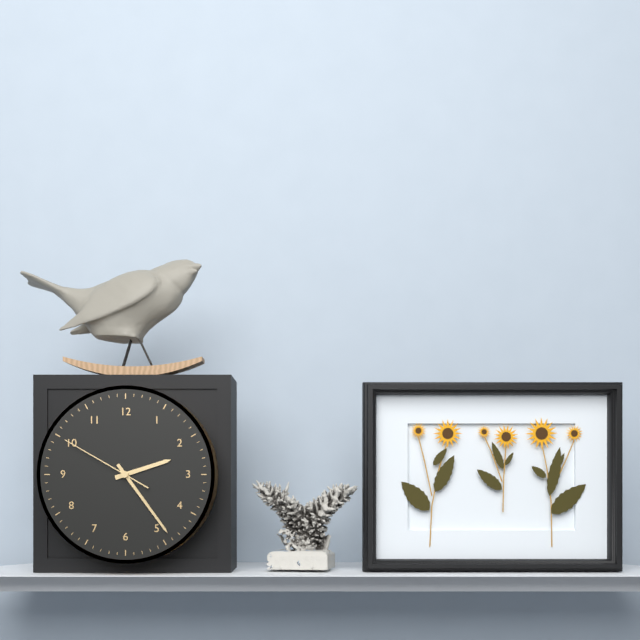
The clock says 2,24,50
